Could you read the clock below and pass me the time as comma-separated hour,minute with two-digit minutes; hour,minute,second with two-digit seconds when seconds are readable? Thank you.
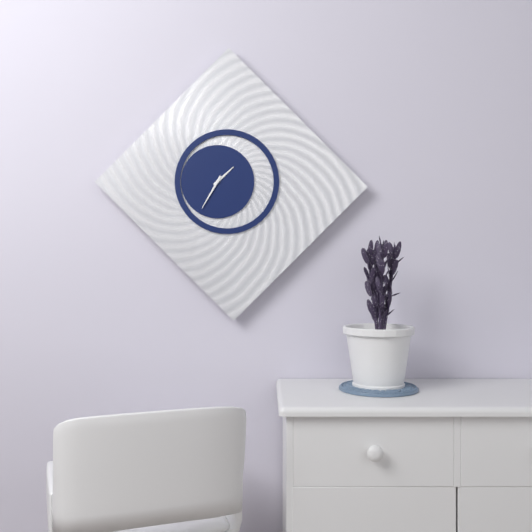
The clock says 1,35
